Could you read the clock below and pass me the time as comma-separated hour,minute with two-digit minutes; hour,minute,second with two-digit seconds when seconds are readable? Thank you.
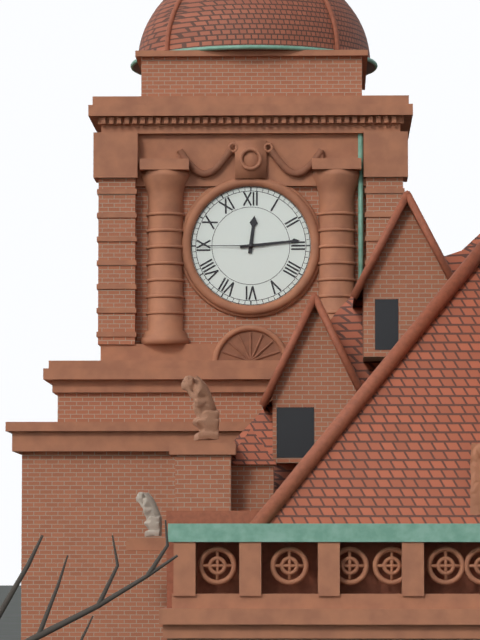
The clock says 12,14,45
